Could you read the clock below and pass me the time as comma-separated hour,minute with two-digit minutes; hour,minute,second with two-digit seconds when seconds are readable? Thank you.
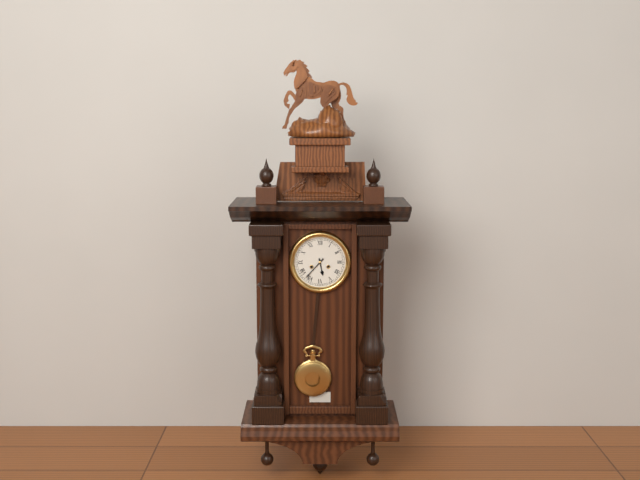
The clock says 5,37
